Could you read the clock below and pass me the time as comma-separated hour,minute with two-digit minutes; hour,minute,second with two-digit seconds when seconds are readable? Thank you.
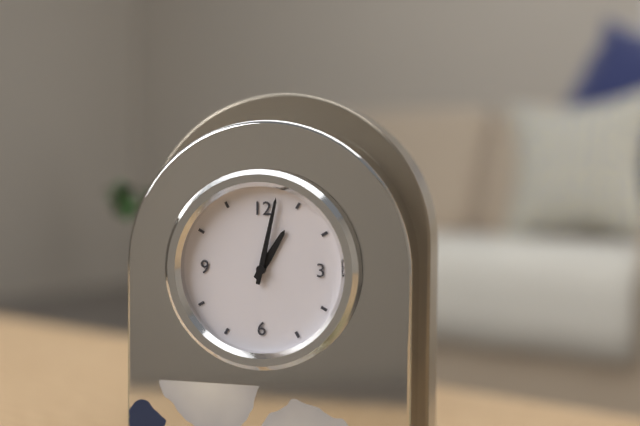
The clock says 1,02
